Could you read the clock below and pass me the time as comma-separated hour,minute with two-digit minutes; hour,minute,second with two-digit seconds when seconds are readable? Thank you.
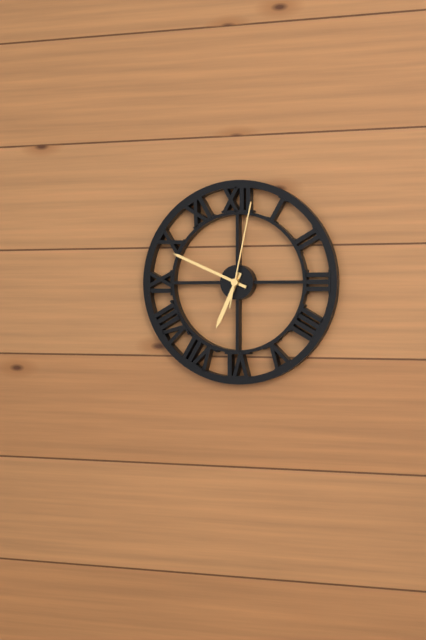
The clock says 6,49,02
